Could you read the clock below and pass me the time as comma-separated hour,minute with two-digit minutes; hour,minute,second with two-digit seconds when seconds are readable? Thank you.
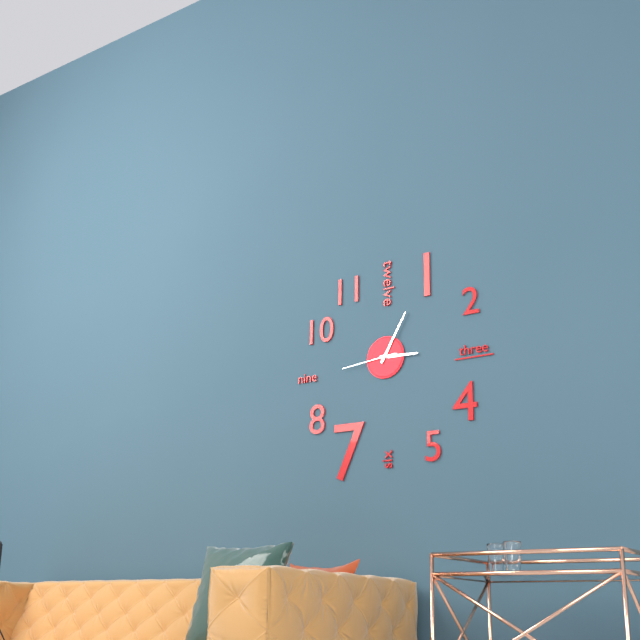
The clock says 3,05,44
